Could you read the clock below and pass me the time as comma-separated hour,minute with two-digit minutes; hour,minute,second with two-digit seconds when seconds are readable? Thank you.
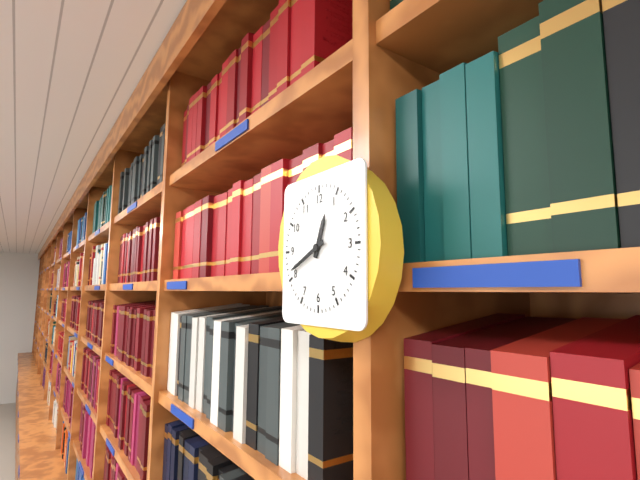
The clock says 12,41
